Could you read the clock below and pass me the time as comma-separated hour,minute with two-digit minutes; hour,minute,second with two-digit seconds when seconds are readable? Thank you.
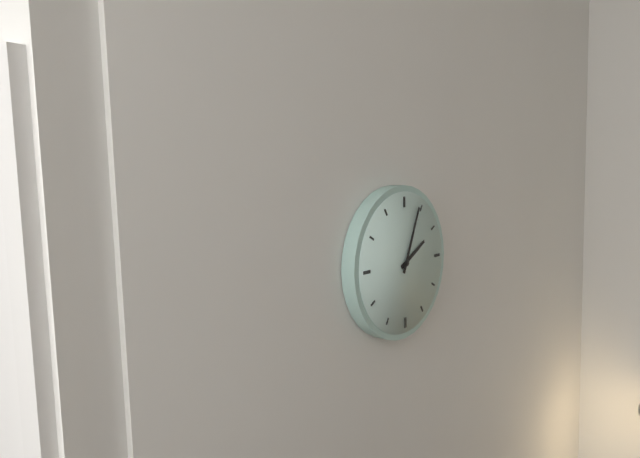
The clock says 2,04
